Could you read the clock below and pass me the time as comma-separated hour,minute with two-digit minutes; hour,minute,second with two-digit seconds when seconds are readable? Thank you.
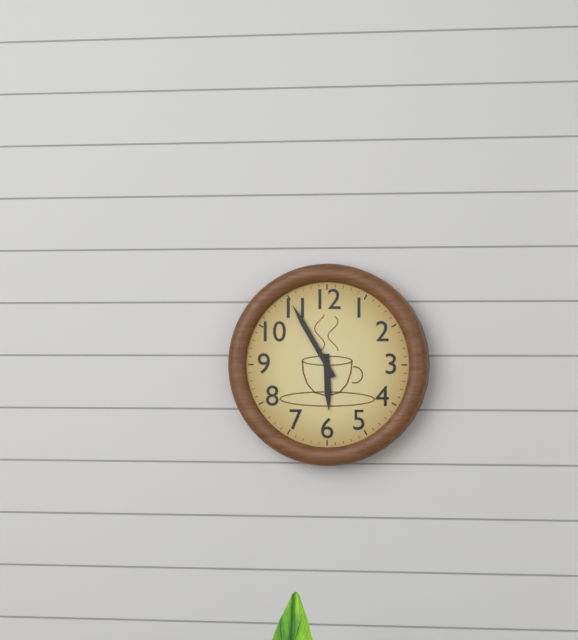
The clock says 5,55
